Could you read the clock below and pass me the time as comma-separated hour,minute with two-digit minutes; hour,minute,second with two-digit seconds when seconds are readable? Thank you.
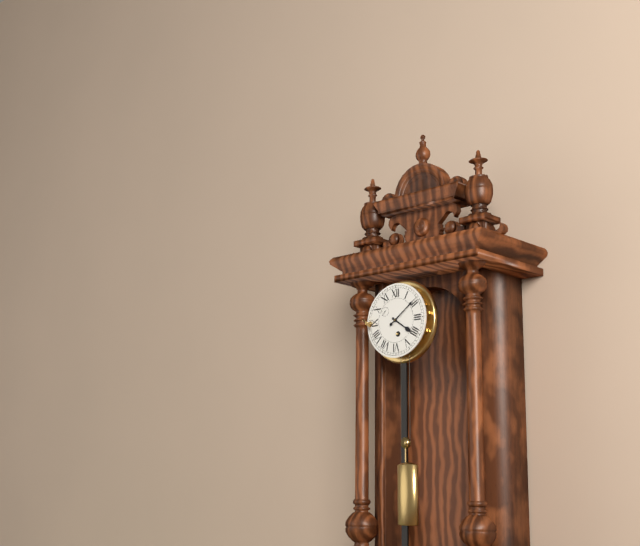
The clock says 4,09
